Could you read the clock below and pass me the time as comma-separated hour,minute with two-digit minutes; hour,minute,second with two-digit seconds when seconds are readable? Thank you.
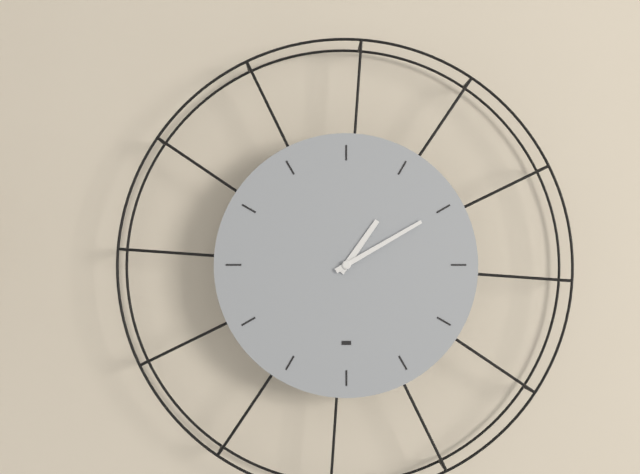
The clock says 1,10
